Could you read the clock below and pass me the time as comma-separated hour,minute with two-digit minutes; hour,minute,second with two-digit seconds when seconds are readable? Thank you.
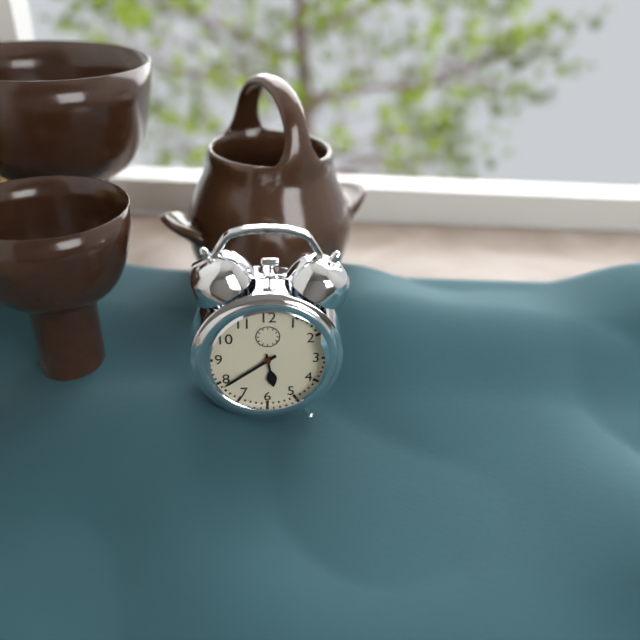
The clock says 5,39
